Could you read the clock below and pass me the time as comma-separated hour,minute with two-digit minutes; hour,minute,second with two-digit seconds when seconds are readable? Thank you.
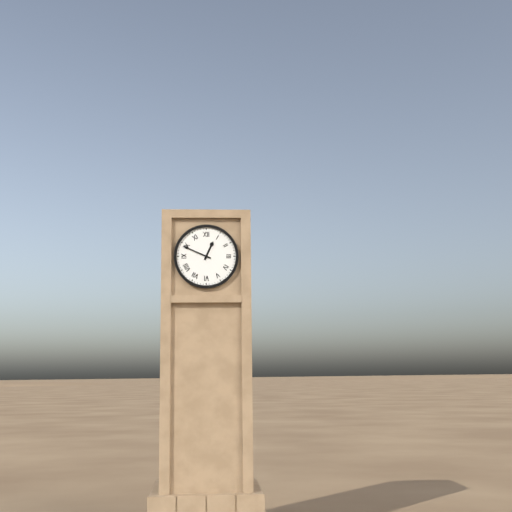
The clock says 12,49
